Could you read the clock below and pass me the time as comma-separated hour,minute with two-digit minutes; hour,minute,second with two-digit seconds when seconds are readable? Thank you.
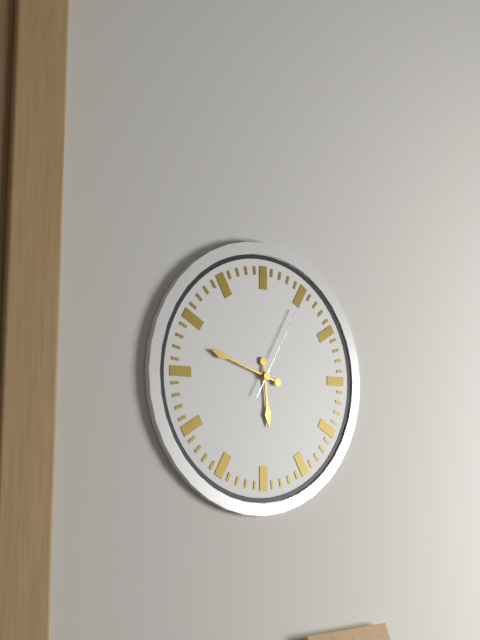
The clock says 5,48,05
